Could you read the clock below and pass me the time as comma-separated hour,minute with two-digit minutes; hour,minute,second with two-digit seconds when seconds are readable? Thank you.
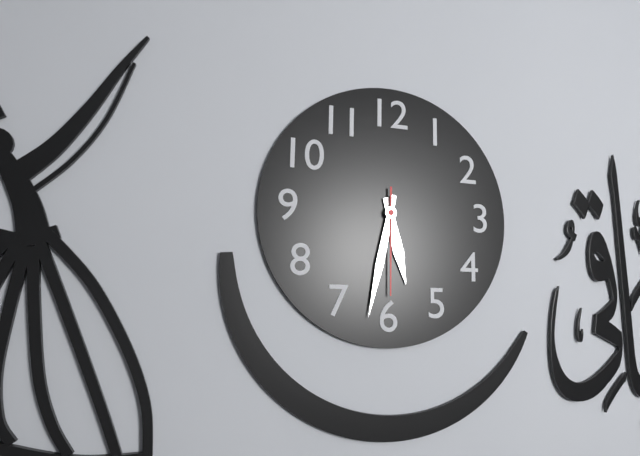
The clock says 5,32,30
